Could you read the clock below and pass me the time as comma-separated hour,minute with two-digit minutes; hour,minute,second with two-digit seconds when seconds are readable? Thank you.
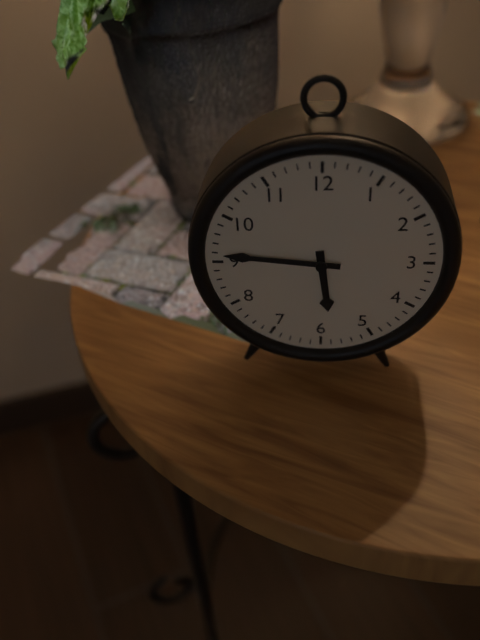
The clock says 5,46
